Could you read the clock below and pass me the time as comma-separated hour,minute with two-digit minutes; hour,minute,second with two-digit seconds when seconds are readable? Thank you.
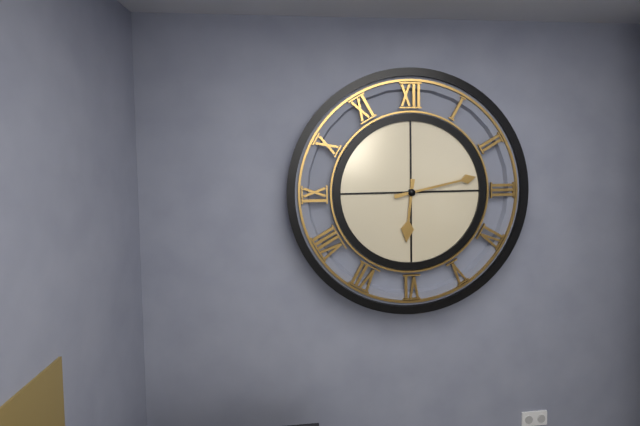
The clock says 6,13
